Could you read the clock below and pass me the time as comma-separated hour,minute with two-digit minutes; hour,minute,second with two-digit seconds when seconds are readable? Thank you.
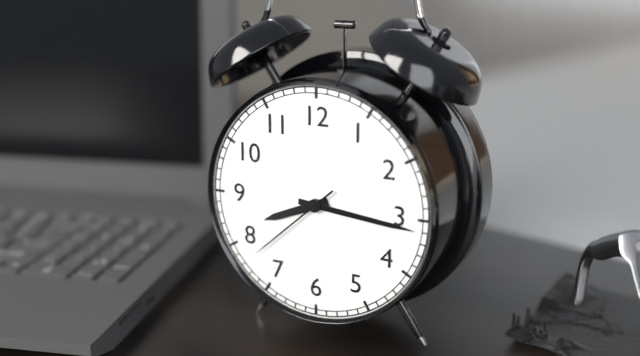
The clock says 8,16,38
